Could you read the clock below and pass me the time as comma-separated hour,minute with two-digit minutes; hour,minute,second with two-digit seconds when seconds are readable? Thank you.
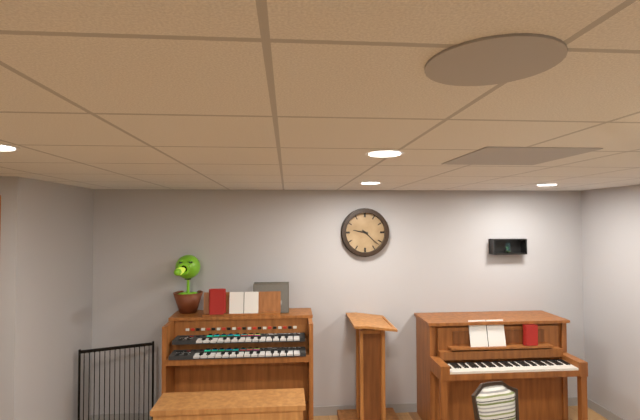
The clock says 9,22
